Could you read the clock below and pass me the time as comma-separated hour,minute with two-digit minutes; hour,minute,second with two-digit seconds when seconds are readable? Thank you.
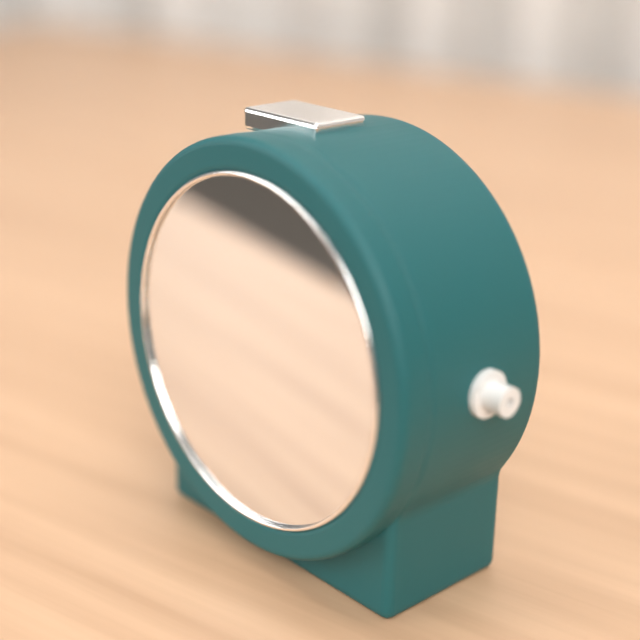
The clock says 11,45,12
